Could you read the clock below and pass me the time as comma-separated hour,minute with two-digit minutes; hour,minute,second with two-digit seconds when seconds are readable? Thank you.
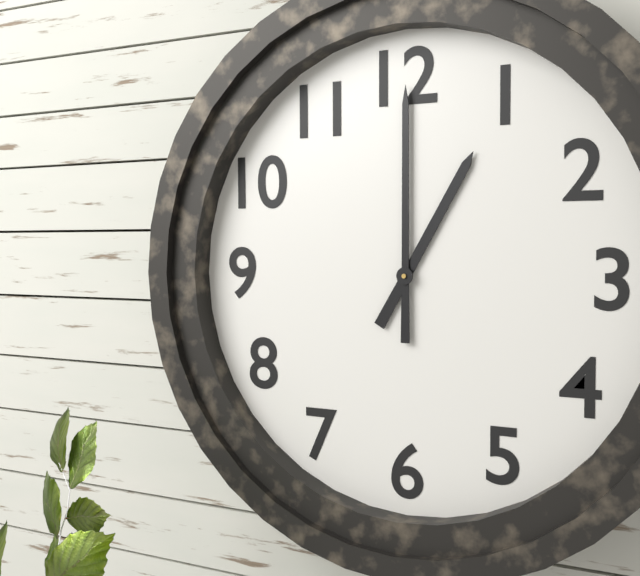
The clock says 1,00
